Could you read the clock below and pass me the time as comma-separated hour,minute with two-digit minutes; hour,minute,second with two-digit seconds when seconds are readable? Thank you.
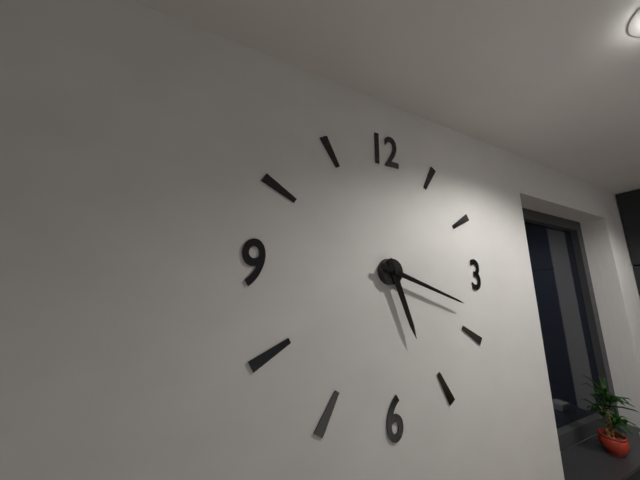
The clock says 5,18
